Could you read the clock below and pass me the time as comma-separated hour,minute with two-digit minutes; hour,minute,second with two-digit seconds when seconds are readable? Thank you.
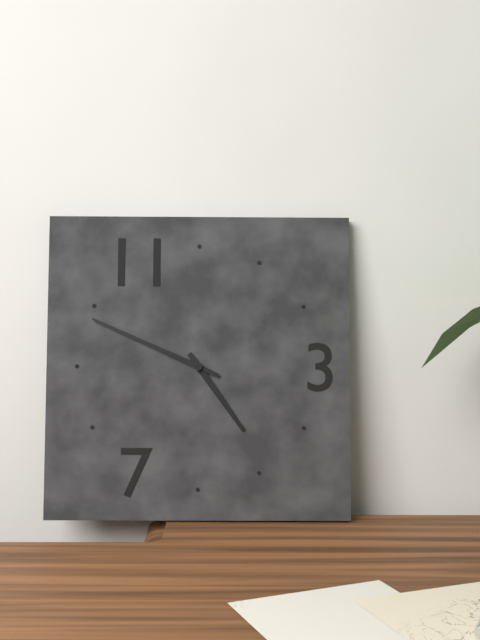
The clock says 4,49
